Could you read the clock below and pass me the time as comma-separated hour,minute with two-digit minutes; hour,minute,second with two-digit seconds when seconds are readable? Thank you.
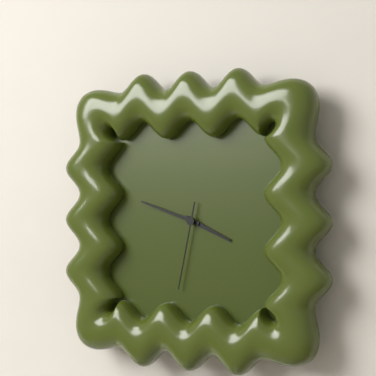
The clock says 3,48,32
